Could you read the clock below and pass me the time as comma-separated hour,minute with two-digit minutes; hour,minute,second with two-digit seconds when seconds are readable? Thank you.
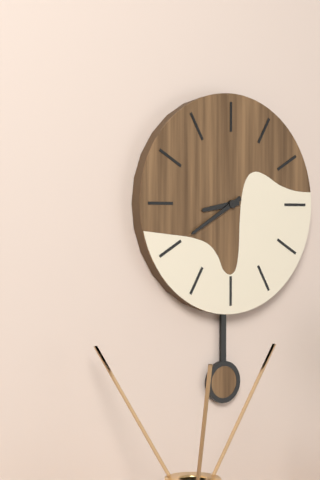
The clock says 8,40
